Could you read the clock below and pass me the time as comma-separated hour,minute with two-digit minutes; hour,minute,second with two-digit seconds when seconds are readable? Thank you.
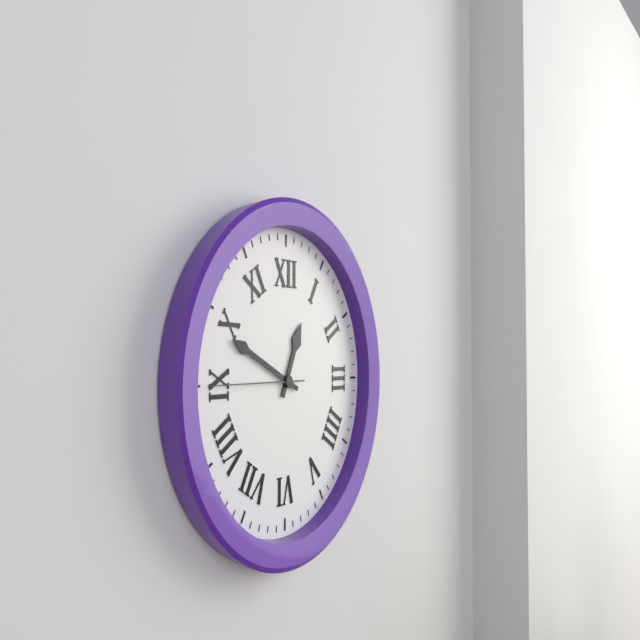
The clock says 12,49,45
